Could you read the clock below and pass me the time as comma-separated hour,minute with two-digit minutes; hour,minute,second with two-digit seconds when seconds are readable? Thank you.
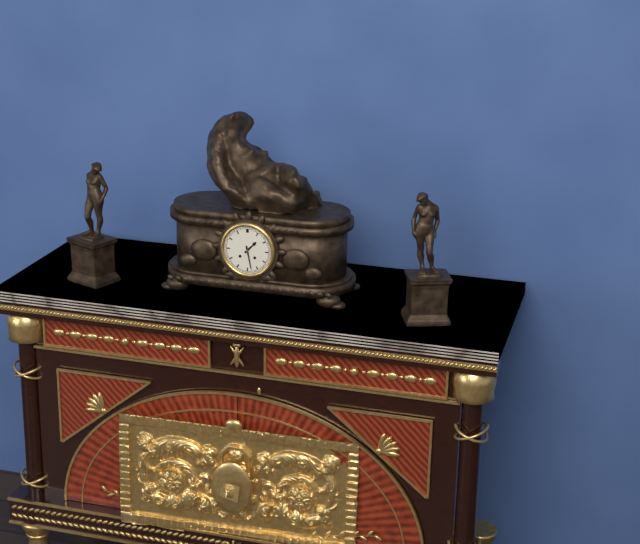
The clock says 1,28
